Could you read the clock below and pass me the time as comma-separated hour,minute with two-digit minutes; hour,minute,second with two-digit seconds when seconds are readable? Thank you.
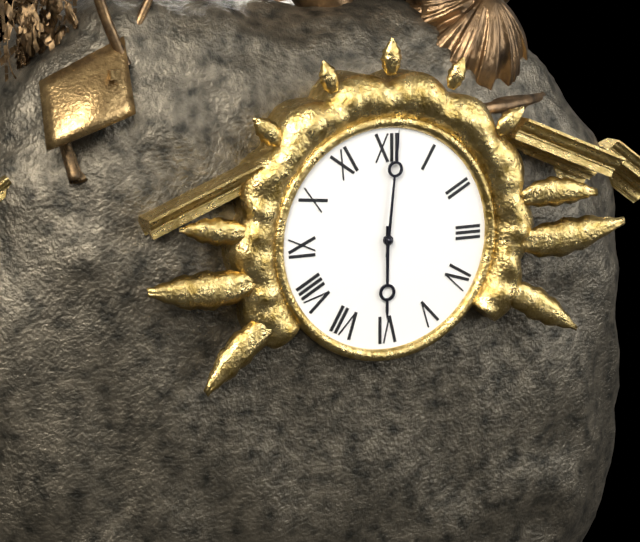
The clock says 6,01
